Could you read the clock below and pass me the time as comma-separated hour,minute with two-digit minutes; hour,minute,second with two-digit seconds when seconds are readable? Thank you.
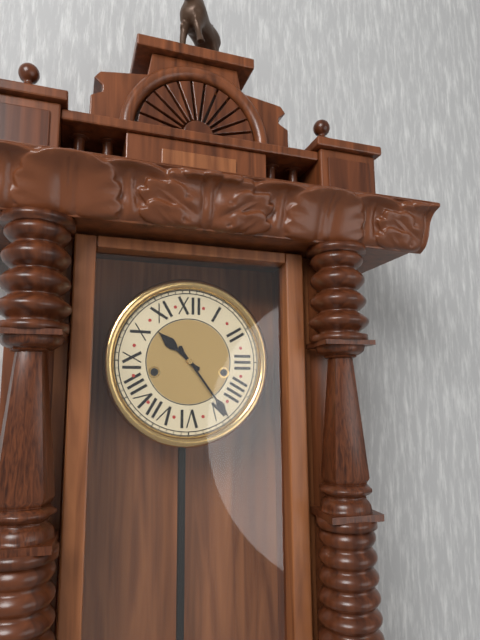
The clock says 10,24
